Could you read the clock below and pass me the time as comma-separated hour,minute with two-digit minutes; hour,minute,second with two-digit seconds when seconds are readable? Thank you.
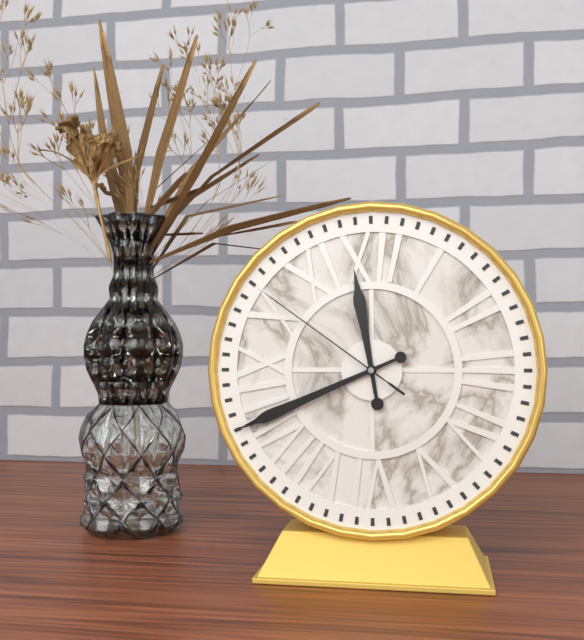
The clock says 11,41,51
